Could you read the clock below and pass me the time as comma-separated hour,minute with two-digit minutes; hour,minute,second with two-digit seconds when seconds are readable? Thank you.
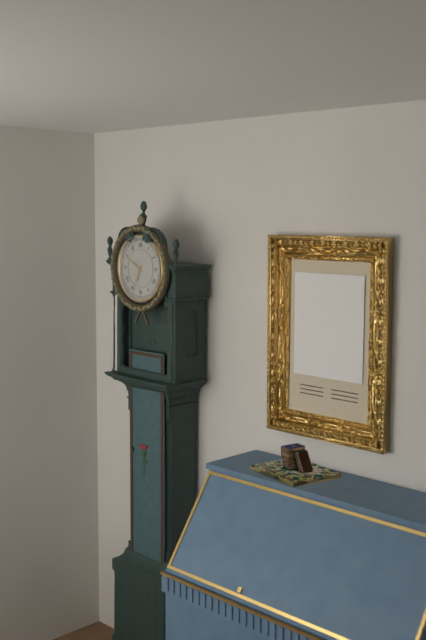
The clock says 6,50
